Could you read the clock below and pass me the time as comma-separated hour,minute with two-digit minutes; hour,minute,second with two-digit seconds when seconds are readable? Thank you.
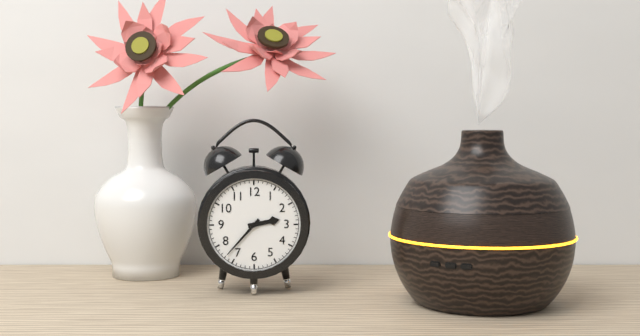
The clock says 2,37
